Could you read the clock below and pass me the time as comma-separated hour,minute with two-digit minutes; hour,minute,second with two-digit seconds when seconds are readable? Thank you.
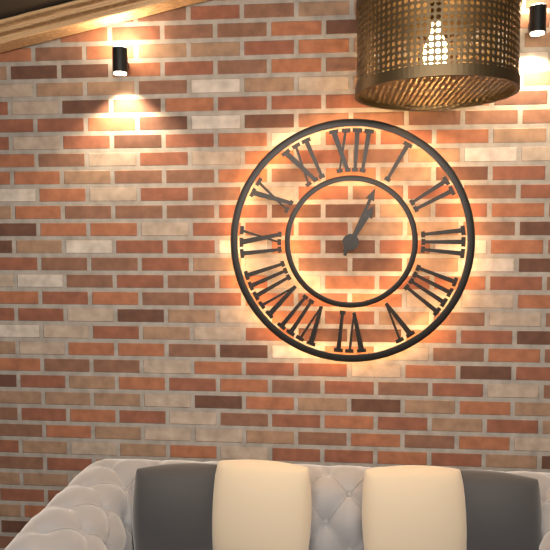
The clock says 1,04
